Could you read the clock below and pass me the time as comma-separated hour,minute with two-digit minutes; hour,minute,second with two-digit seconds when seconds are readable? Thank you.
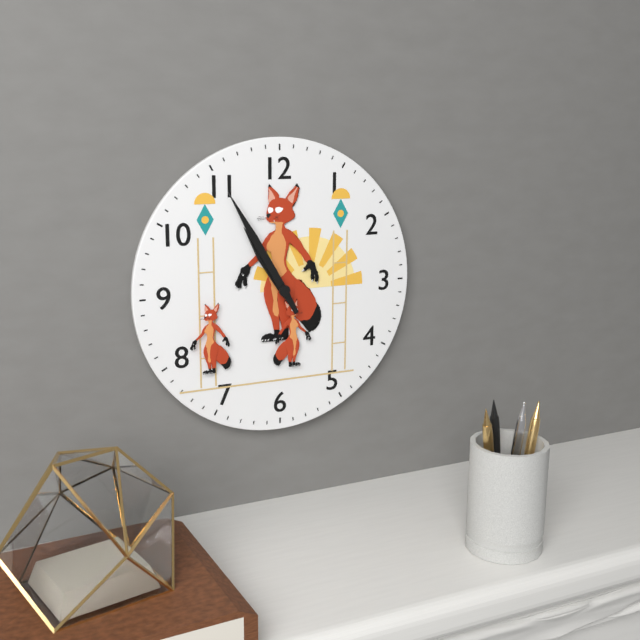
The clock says 10,55
